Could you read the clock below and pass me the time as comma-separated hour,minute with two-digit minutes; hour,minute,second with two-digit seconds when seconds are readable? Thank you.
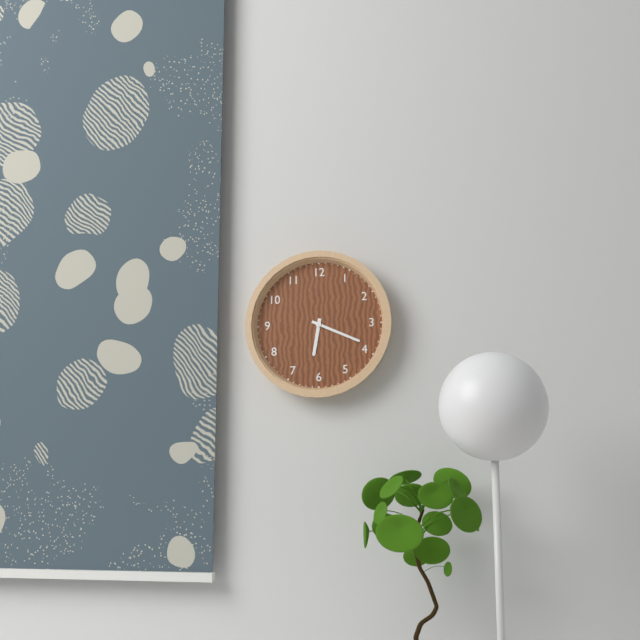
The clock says 6,19
